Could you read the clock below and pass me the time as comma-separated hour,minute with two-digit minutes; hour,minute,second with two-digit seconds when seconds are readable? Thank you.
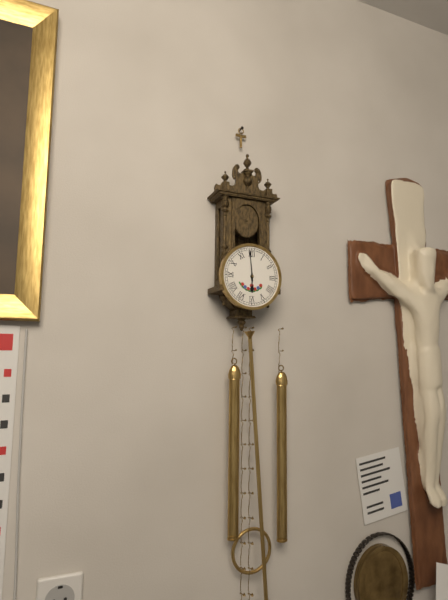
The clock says 5,59
